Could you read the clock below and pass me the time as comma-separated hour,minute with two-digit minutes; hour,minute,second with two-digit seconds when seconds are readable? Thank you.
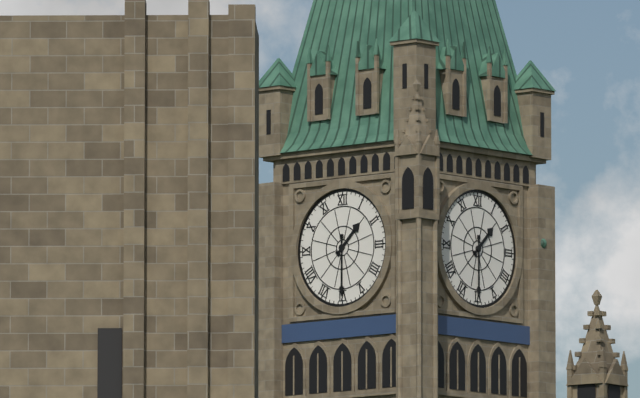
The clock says 1,30
